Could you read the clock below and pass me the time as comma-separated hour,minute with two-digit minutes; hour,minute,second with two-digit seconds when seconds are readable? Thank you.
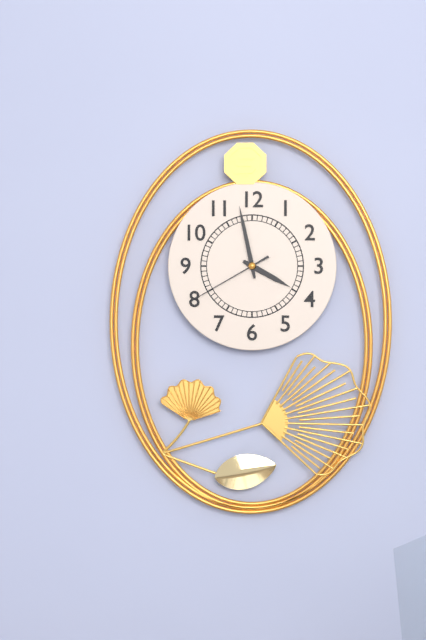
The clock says 3,58,40
